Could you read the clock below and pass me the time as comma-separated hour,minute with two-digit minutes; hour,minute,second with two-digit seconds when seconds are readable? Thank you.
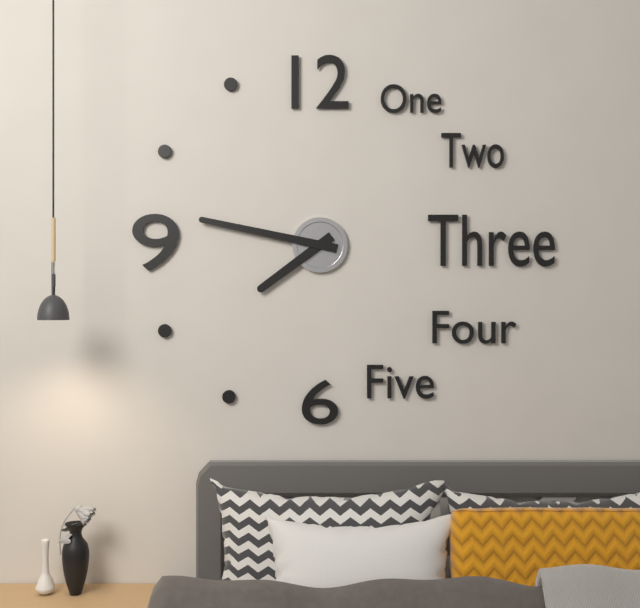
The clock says 7,47
